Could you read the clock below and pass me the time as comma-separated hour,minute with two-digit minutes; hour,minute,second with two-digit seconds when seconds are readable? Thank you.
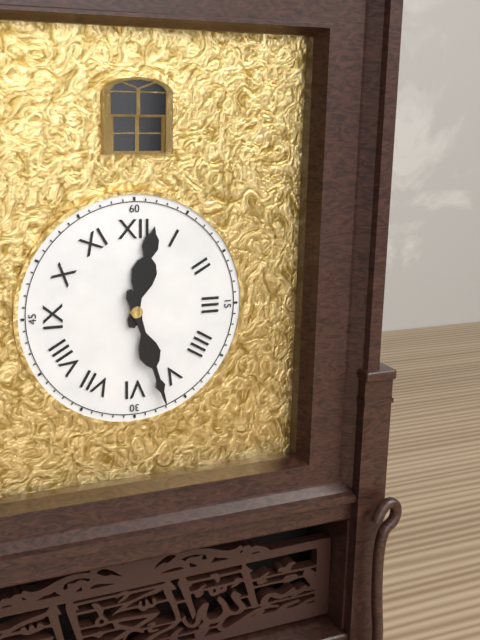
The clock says 12,27
